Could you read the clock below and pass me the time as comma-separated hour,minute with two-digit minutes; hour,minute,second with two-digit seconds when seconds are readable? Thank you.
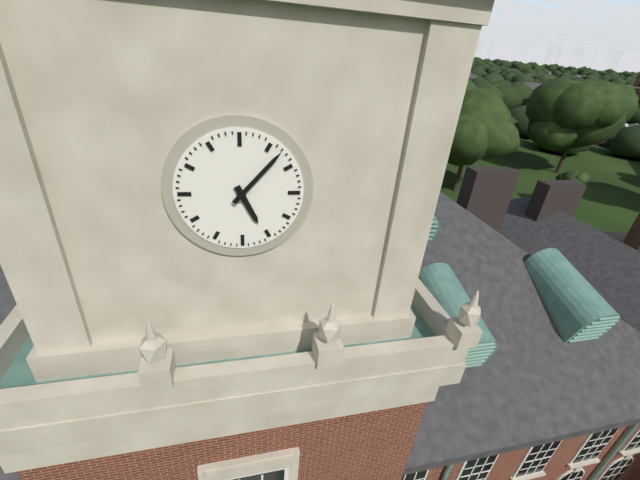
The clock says 5,07
